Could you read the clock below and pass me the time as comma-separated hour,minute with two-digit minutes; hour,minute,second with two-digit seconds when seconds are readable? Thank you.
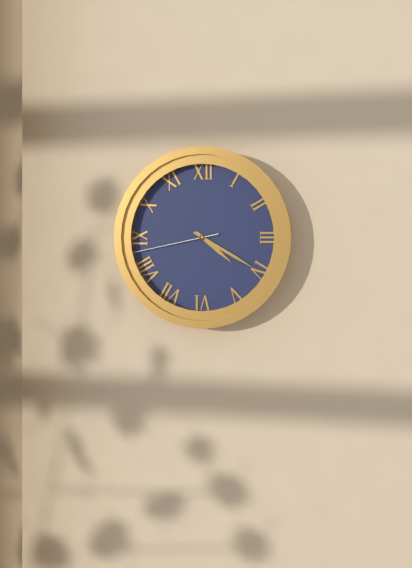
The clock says 4,20,43
